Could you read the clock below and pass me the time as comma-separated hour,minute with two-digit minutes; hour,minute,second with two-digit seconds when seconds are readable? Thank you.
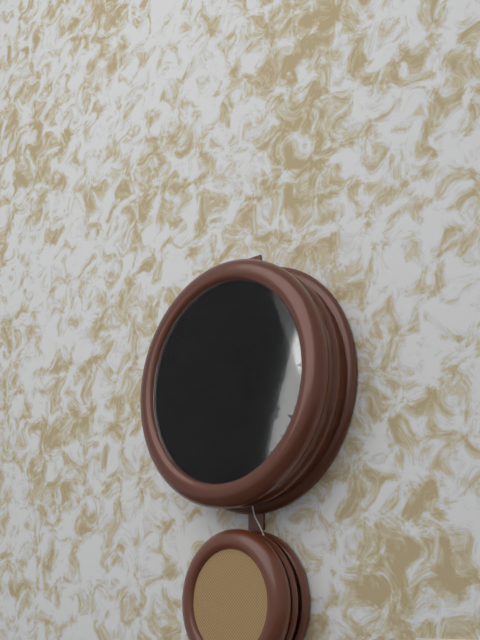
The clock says 11,30
